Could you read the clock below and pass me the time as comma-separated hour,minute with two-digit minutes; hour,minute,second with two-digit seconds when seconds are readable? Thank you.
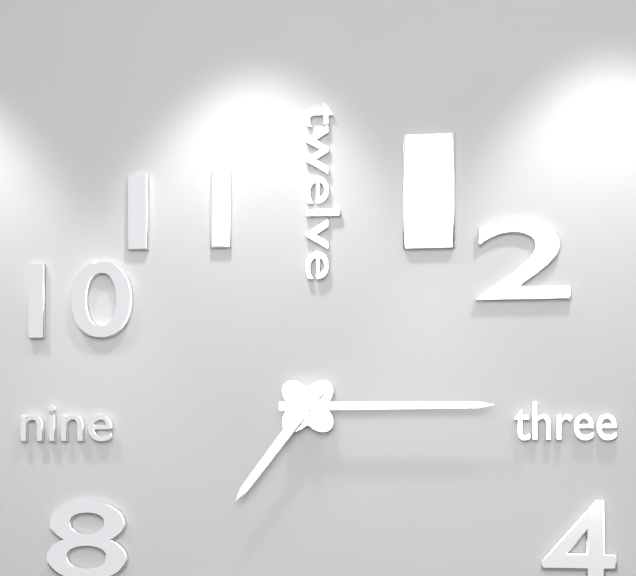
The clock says 7,15
